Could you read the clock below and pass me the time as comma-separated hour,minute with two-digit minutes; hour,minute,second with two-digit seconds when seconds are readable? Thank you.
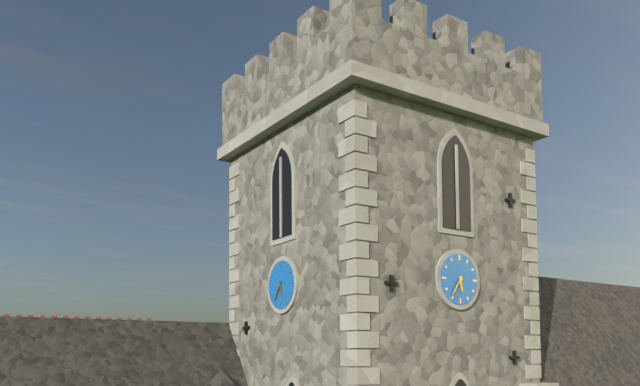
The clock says 5,36
